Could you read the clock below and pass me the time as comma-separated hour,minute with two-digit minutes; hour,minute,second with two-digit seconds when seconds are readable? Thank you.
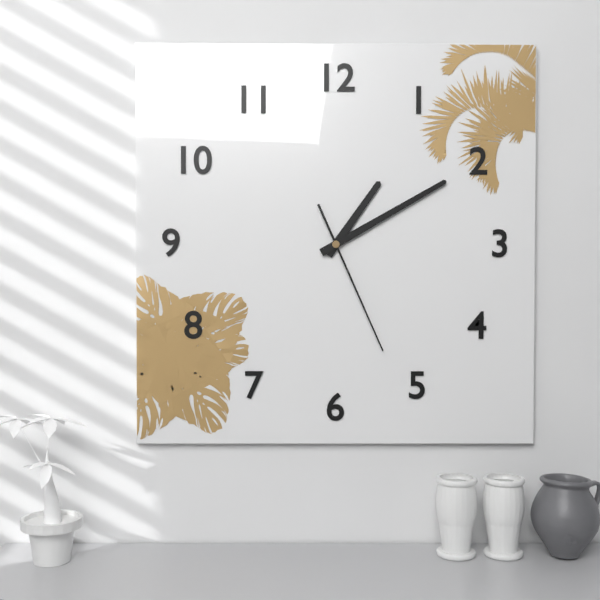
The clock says 1,10,26
